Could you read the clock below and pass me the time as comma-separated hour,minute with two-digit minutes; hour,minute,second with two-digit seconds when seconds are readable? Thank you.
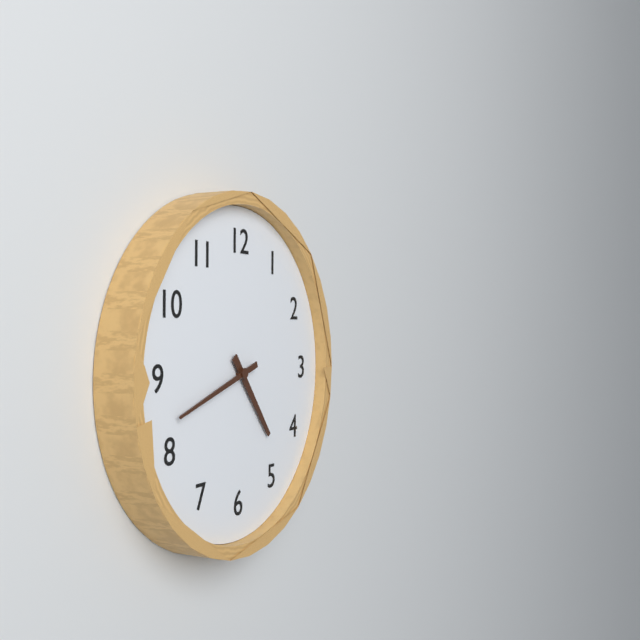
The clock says 4,42
